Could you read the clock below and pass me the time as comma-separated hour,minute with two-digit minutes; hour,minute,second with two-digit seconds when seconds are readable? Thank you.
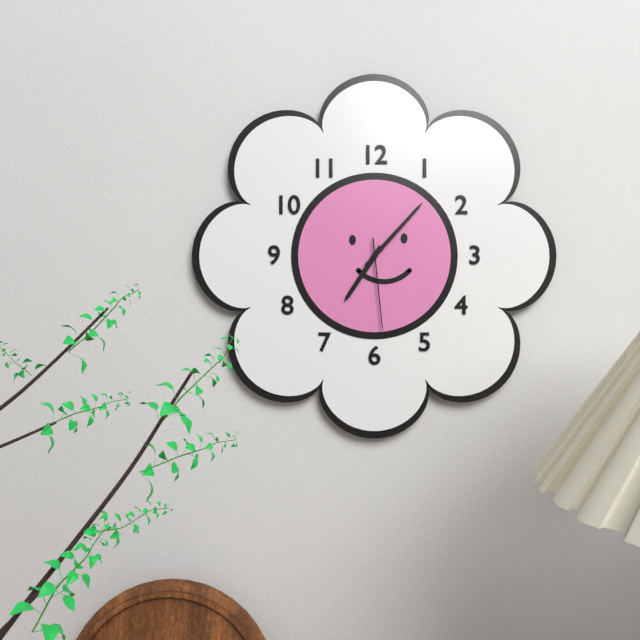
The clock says 7,07,29
